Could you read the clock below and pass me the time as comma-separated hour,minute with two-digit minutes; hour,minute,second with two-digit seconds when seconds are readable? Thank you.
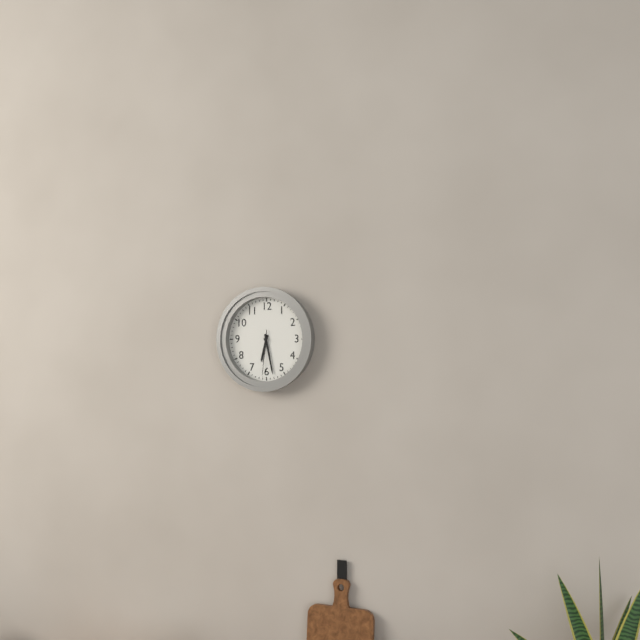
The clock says 6,28
